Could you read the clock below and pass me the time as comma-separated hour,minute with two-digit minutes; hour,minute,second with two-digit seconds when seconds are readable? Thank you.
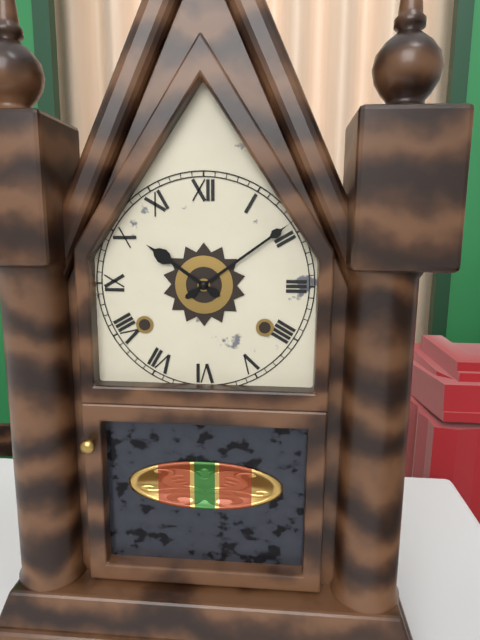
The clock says 10,09
